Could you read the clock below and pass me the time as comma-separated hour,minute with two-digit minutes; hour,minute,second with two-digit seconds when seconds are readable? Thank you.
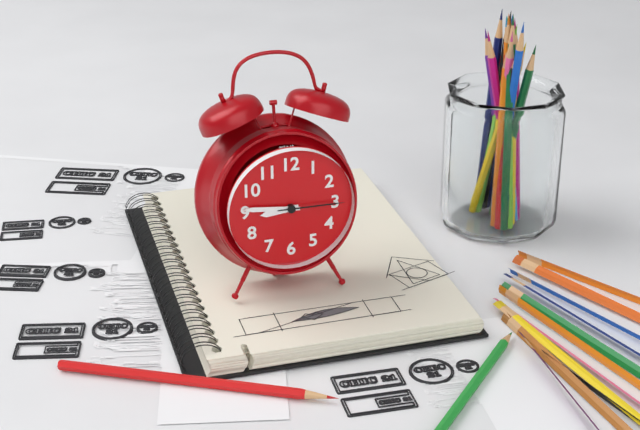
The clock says 8,46,15
